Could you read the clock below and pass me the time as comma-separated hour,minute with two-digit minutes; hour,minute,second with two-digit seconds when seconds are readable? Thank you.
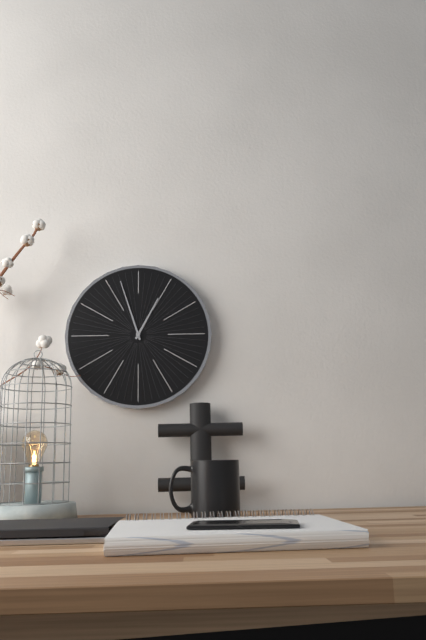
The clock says 12,57
